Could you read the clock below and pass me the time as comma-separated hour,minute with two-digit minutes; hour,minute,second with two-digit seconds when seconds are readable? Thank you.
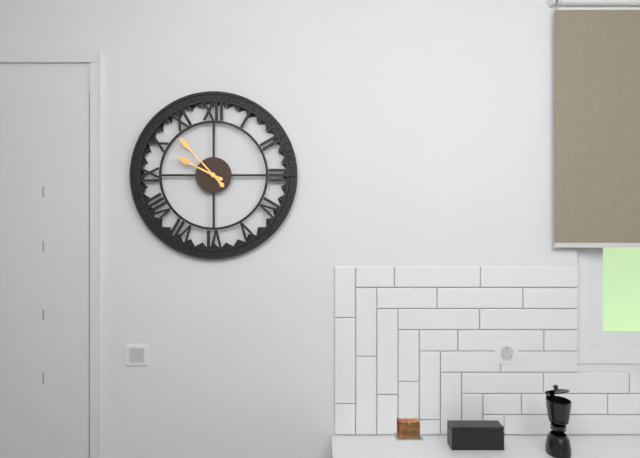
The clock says 9,53
